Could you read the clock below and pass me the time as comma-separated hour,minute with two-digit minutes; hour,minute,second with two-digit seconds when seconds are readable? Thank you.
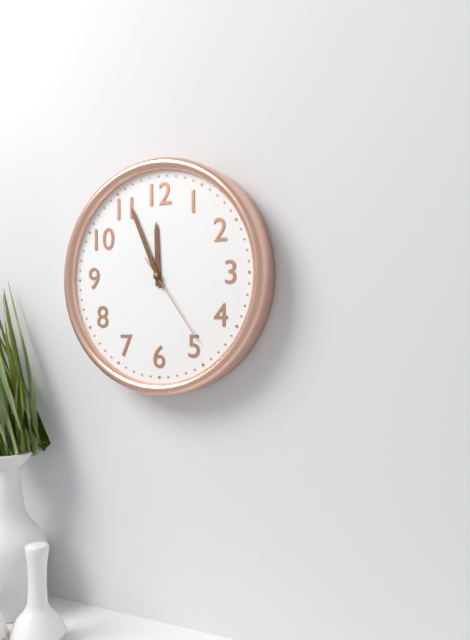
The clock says 11,56,24
